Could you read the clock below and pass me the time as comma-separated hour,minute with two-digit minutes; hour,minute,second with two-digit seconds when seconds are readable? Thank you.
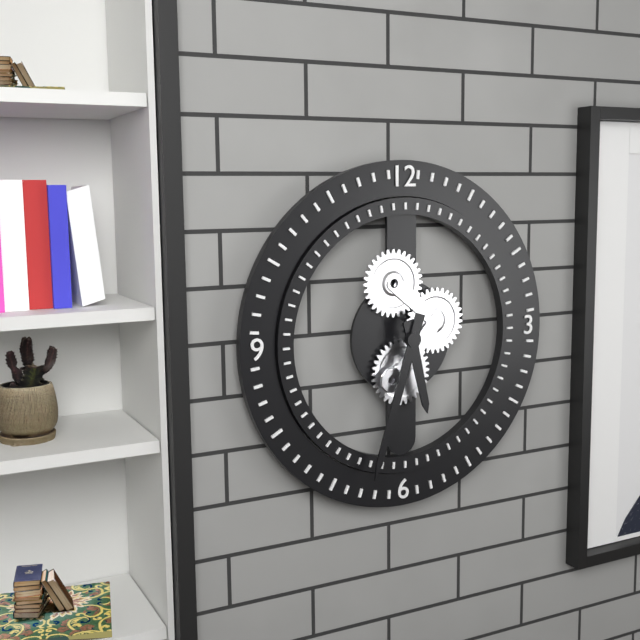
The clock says 5,33
